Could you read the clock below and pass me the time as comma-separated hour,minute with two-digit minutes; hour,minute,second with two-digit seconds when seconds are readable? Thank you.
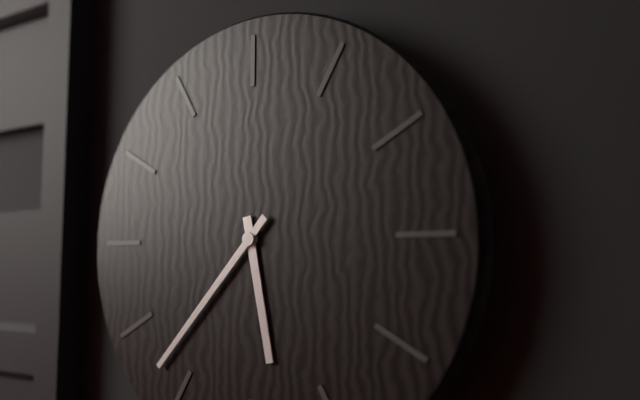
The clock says 5,37
